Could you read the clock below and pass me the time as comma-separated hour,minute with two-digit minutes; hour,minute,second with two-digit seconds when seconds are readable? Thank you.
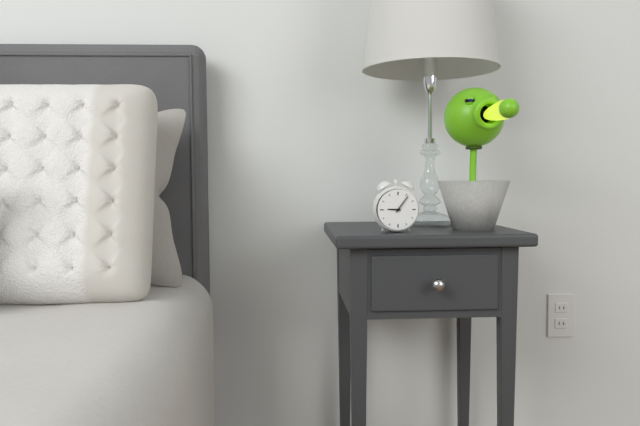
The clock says 9,06
